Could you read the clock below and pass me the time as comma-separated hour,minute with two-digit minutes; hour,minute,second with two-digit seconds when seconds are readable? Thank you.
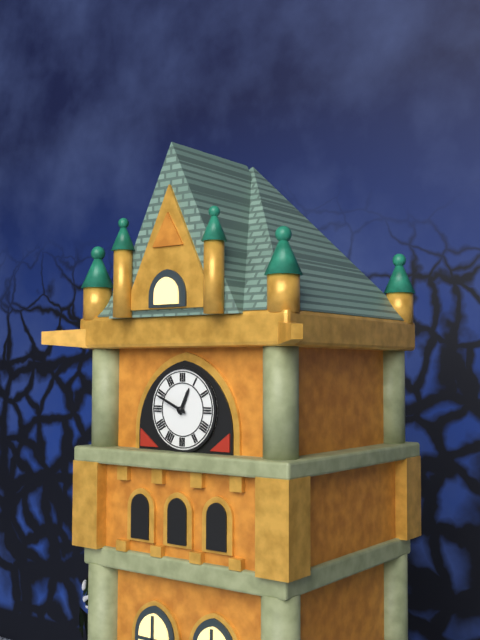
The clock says 12,49
